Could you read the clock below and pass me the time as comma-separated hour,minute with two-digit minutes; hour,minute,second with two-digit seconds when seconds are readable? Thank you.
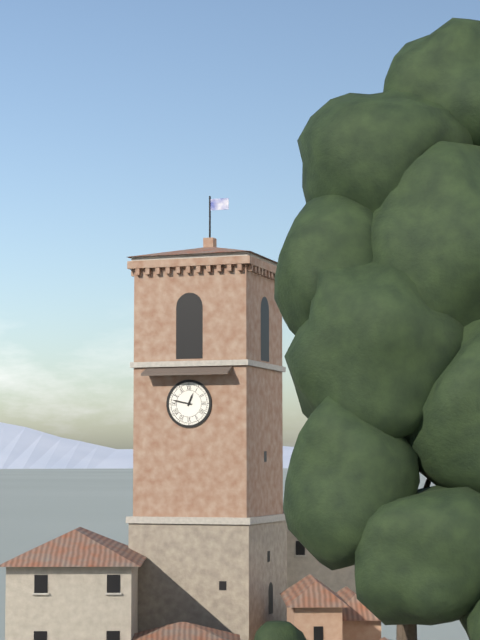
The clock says 12,47
